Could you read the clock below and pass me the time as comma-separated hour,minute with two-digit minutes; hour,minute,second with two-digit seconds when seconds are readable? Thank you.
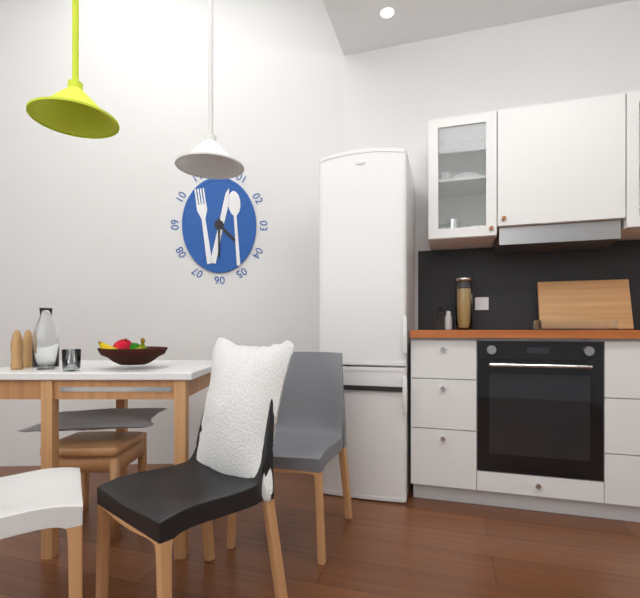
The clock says 4,30
